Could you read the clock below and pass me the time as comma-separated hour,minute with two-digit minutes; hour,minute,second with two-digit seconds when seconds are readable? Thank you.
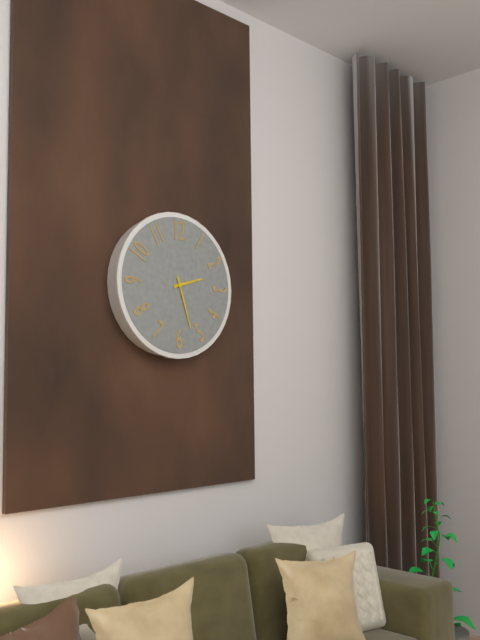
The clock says 2,27
